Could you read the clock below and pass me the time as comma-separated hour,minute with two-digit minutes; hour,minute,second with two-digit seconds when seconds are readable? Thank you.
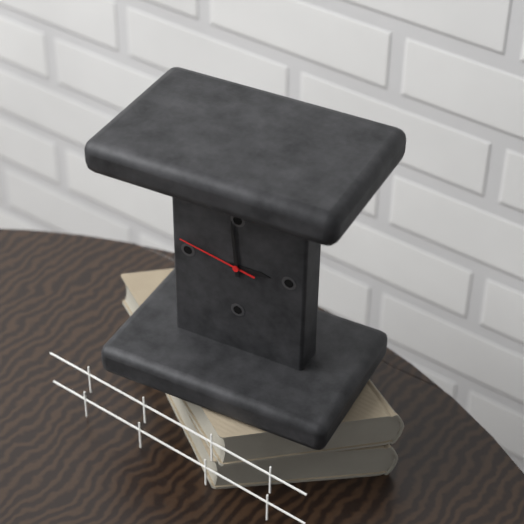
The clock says 2,59,47
